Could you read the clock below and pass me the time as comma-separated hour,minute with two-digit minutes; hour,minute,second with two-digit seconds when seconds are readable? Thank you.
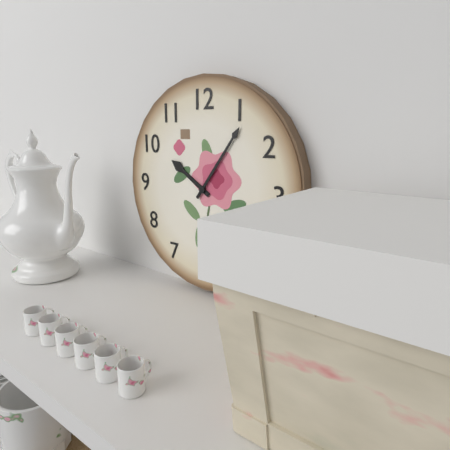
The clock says 10,06
